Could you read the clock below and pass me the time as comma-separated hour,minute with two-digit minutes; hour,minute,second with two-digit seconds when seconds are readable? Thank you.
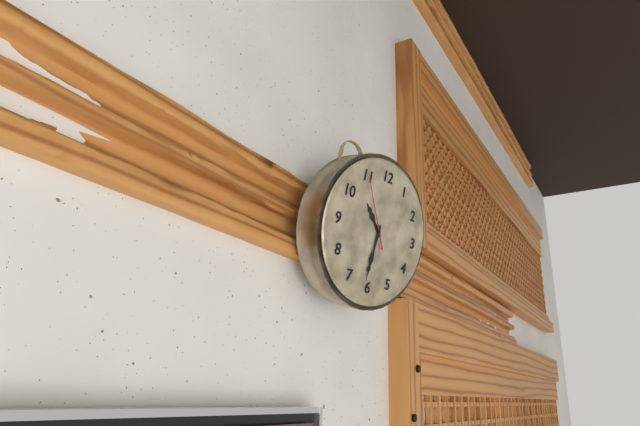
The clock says 10,31,55
